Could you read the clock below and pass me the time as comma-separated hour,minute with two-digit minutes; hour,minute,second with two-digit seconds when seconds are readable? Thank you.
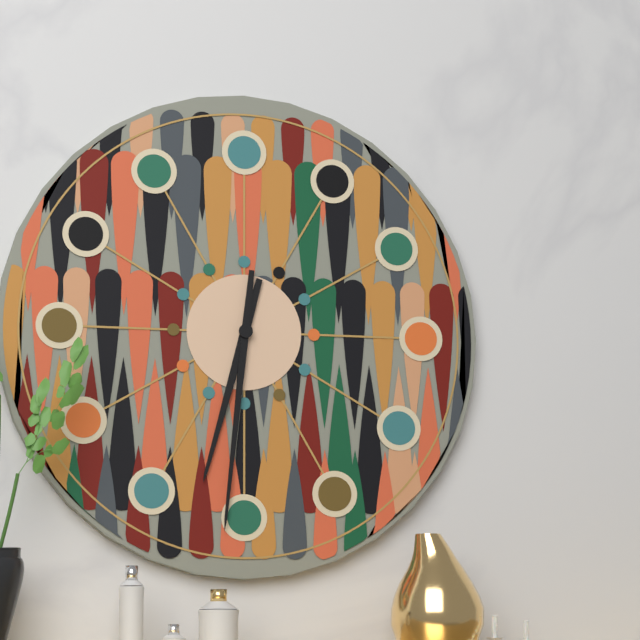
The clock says 6,31
